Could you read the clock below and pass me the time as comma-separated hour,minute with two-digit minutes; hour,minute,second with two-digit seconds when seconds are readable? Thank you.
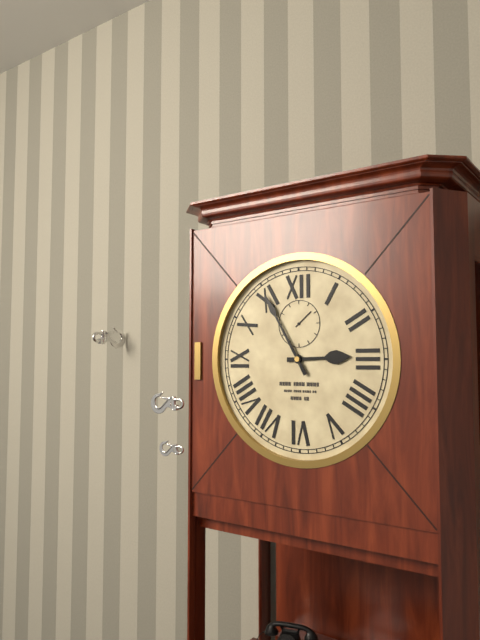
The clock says 2,55
